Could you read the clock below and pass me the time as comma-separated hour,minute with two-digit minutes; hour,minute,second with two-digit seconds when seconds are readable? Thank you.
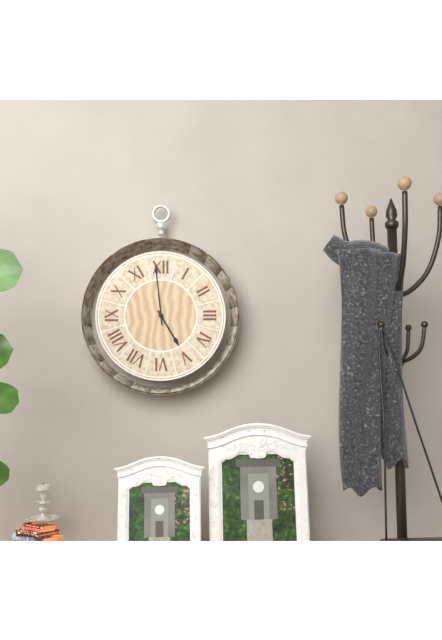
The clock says 4,59
